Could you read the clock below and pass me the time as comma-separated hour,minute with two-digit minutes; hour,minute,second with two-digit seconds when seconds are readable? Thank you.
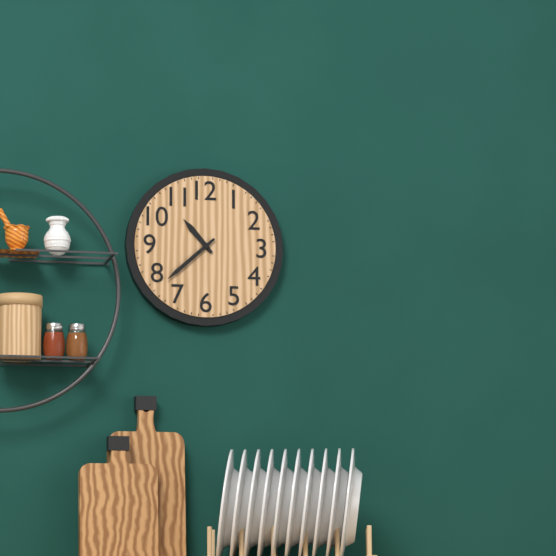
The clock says 10,38
